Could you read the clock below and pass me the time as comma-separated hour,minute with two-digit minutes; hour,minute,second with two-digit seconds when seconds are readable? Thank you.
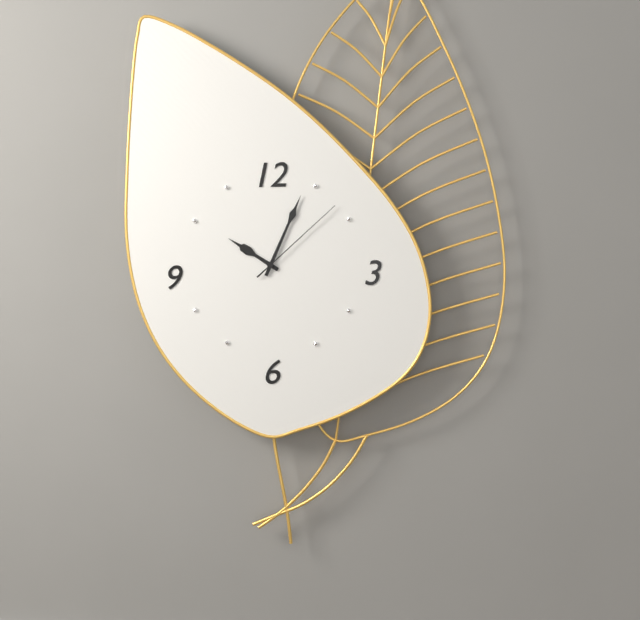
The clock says 10,04,08
